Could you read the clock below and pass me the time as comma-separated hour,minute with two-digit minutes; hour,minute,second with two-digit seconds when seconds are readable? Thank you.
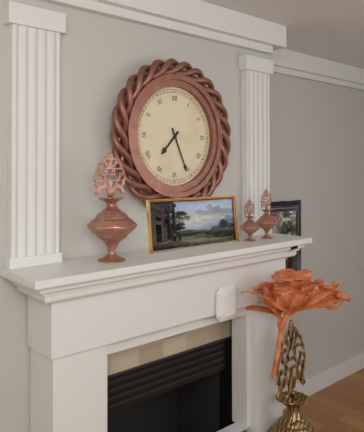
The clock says 7,26
